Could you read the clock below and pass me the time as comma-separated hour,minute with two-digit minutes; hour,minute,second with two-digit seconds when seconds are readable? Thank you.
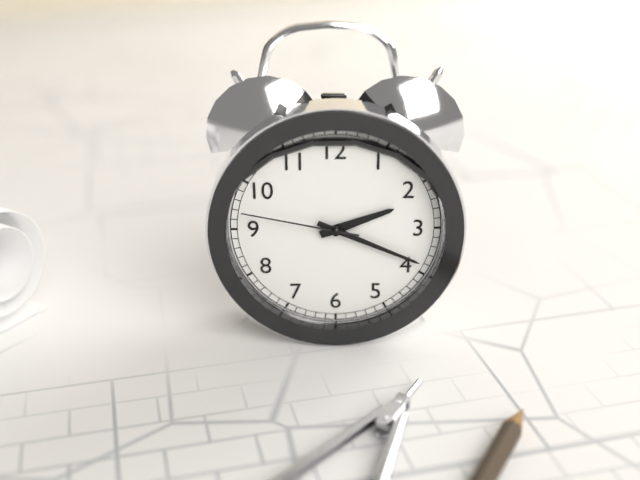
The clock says 2,19,47
